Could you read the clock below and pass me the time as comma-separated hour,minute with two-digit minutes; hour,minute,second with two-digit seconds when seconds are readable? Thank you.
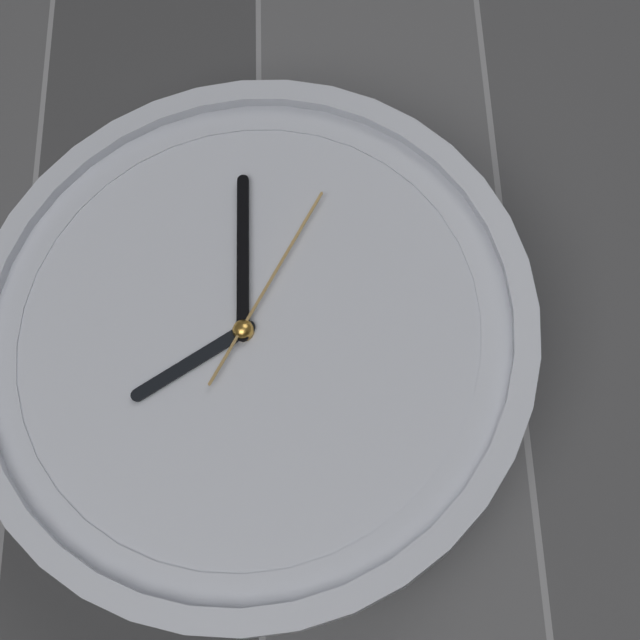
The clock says 8,00,05
